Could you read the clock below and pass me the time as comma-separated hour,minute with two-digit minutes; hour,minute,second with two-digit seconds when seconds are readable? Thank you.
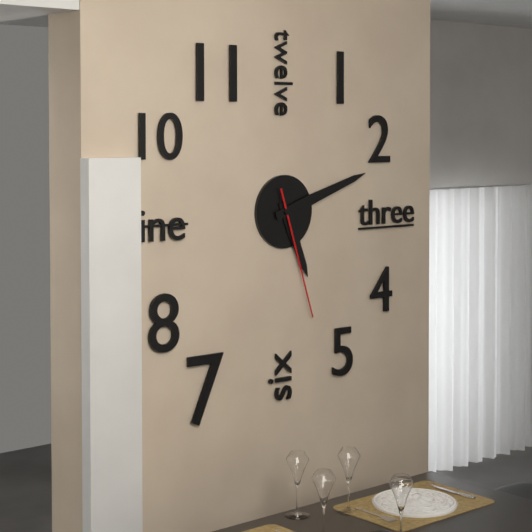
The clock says 5,12,27
